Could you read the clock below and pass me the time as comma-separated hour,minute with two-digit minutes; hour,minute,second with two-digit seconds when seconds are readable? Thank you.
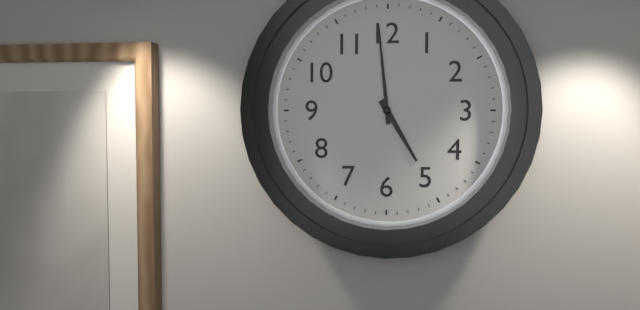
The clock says 4,59
